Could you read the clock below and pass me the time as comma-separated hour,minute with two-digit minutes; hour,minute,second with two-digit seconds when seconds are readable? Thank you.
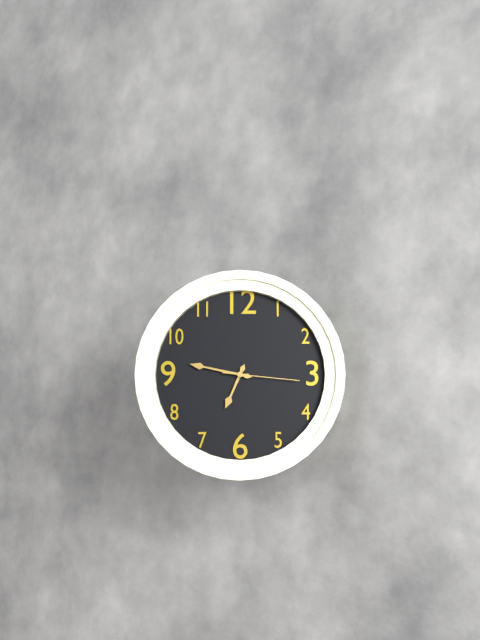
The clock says 6,47,16
